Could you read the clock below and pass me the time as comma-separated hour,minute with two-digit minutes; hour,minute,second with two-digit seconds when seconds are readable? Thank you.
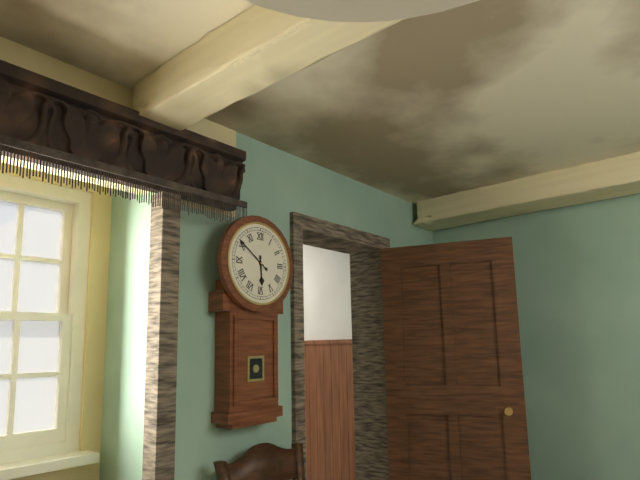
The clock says 5,51
